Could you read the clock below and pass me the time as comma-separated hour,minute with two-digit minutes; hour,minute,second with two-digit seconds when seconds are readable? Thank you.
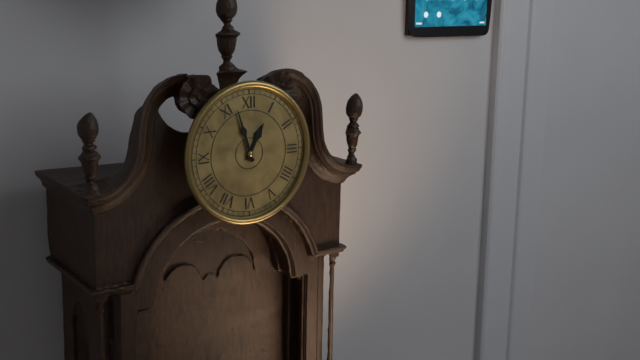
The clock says 12,57
